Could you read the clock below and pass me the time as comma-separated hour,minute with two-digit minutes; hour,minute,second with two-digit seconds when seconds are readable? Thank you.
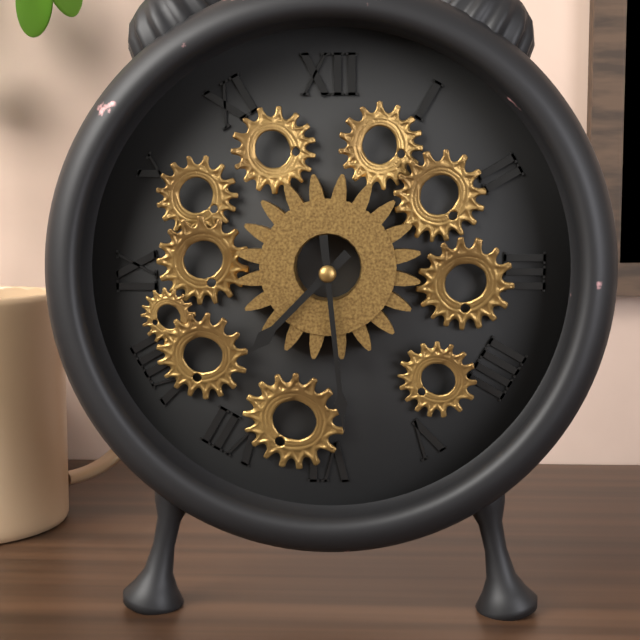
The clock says 7,29
